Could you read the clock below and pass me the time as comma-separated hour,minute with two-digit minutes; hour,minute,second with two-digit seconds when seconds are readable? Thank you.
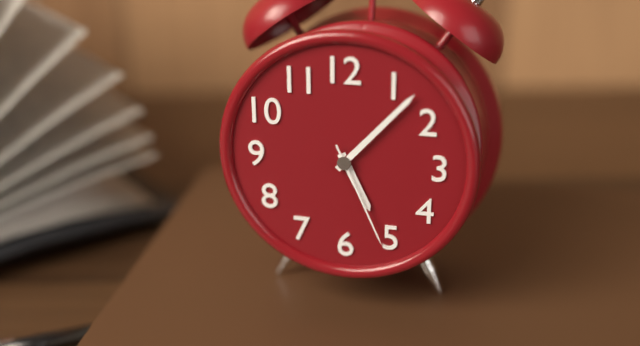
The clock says 5,07,26
